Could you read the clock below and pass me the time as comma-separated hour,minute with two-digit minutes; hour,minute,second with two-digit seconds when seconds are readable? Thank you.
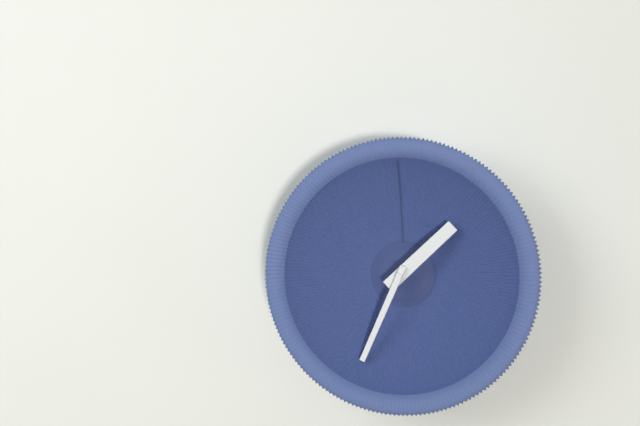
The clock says 1,34
